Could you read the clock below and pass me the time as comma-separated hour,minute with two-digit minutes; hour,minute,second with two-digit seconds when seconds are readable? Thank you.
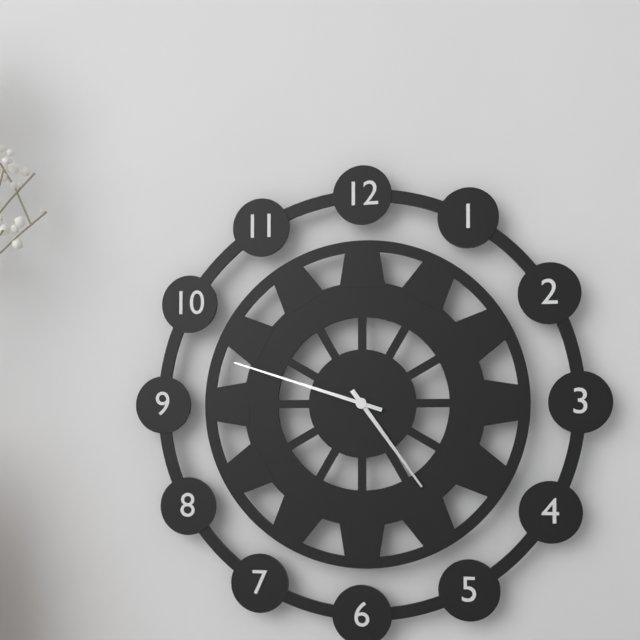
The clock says 4,48
